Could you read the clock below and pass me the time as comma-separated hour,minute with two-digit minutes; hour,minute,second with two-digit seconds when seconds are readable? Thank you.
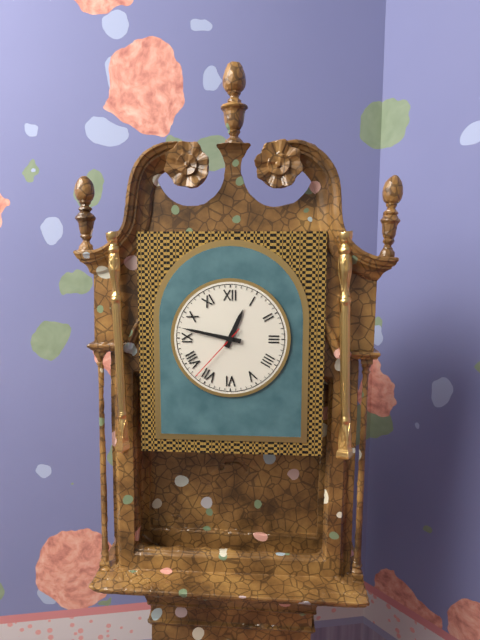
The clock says 12,47,37
